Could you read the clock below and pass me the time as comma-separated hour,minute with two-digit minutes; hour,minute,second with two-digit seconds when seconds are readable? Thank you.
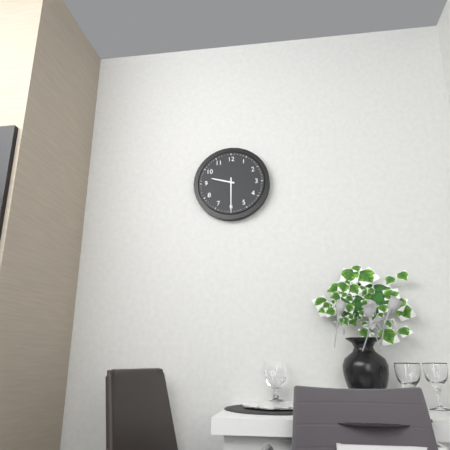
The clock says 9,30
